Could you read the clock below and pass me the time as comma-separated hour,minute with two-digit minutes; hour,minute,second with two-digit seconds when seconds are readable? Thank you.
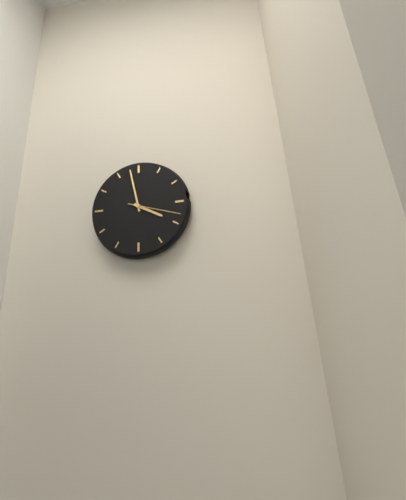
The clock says 3,58,18
